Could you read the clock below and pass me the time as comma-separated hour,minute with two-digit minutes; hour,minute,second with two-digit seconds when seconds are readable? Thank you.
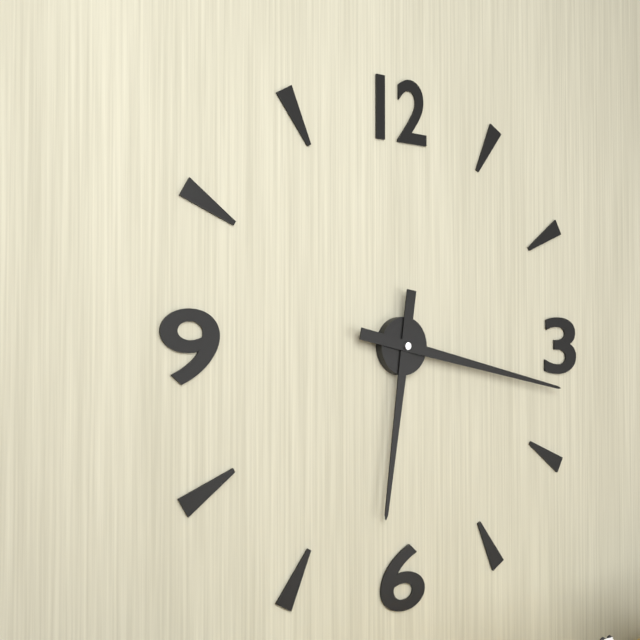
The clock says 6,17
